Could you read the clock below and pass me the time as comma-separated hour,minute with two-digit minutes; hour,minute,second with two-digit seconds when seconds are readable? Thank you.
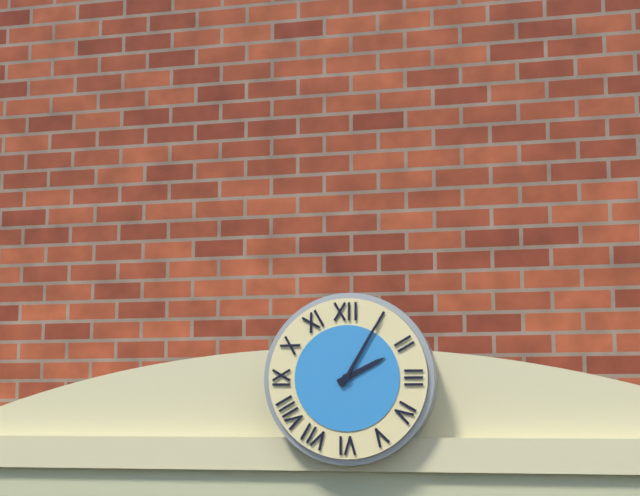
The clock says 2,05
